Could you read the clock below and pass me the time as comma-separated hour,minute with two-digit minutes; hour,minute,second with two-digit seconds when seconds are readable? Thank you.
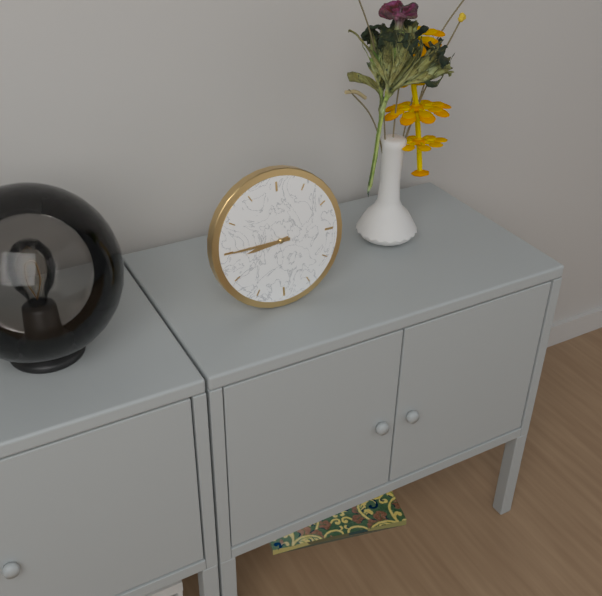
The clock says 8,45
